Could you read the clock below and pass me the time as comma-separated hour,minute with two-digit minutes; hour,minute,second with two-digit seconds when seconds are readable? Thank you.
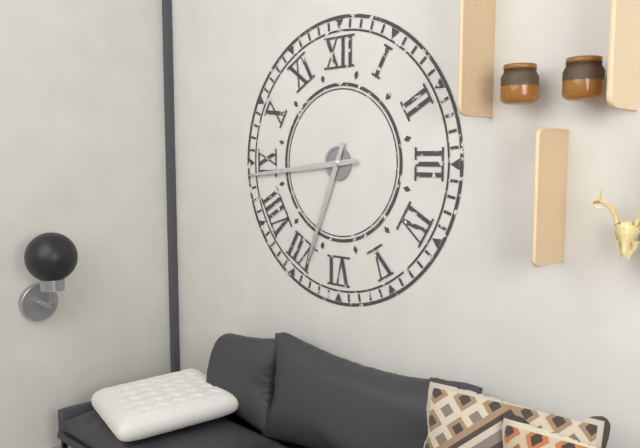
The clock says 6,44
